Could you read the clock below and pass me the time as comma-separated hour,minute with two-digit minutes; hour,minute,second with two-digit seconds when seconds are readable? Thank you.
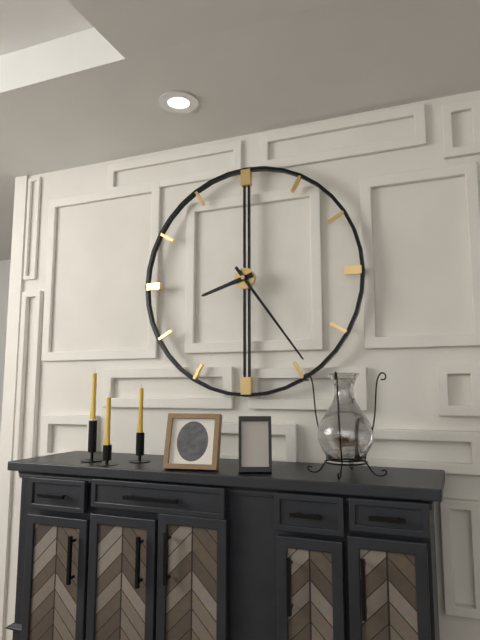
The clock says 8,24
